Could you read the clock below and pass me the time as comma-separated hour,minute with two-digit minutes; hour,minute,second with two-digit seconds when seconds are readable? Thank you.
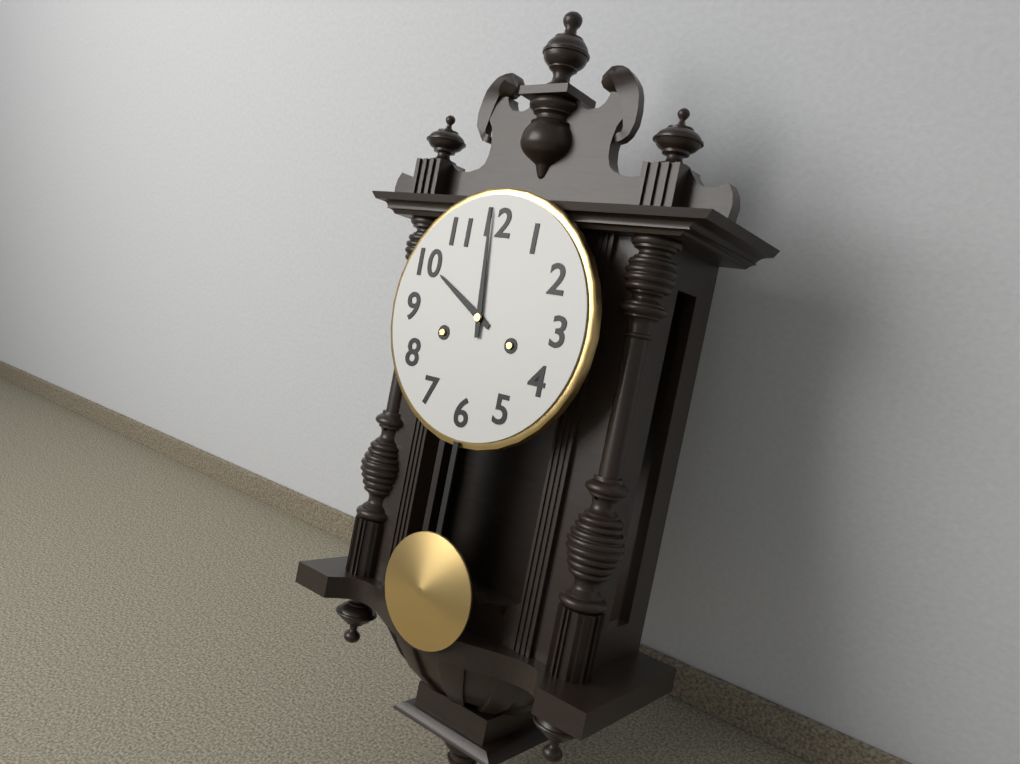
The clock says 9,59
